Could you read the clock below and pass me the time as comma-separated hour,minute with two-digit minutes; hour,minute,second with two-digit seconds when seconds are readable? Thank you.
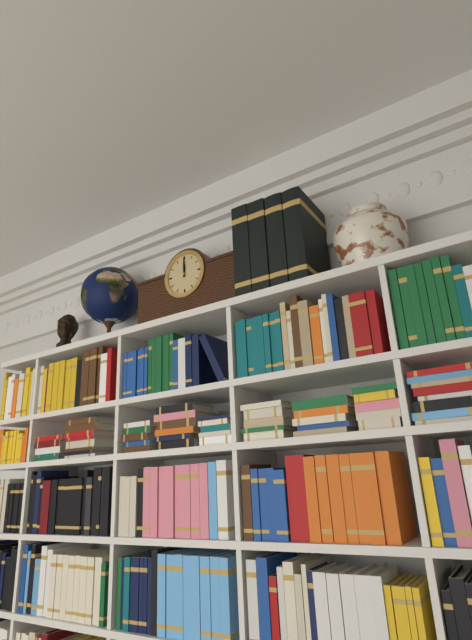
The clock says 12,00
